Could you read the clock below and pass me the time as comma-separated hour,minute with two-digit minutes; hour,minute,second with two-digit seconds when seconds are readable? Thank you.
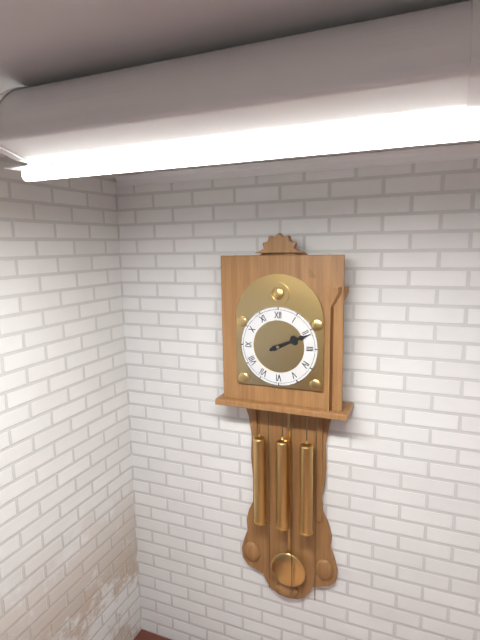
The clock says 2,11
